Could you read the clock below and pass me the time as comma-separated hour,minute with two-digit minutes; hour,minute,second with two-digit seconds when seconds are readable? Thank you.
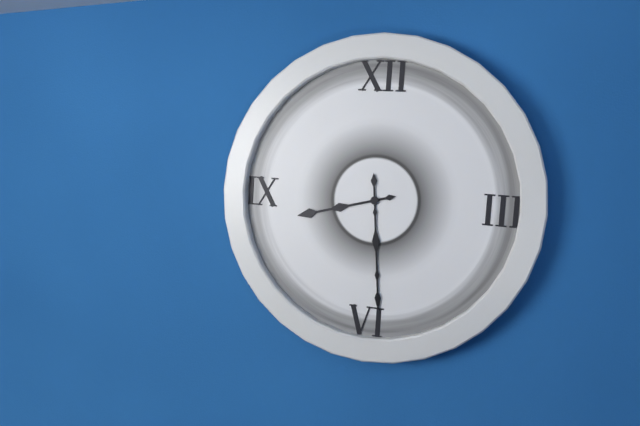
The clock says 8,29
